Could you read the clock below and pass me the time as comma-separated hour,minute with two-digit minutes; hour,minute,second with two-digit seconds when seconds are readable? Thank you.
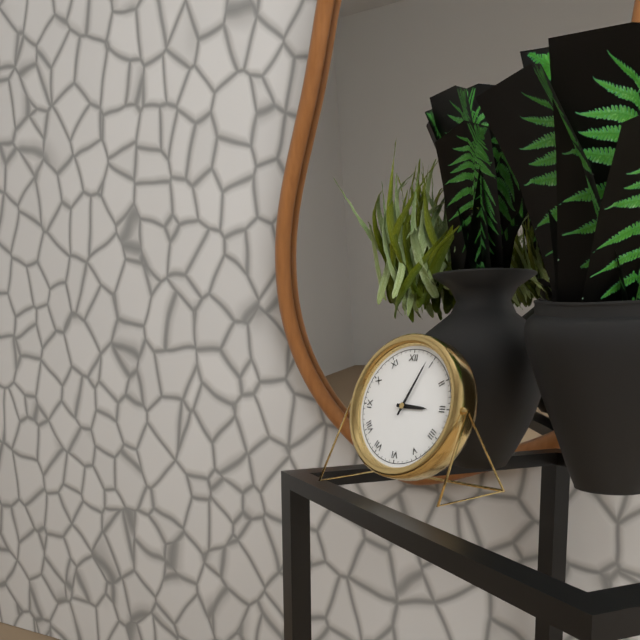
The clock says 3,04
